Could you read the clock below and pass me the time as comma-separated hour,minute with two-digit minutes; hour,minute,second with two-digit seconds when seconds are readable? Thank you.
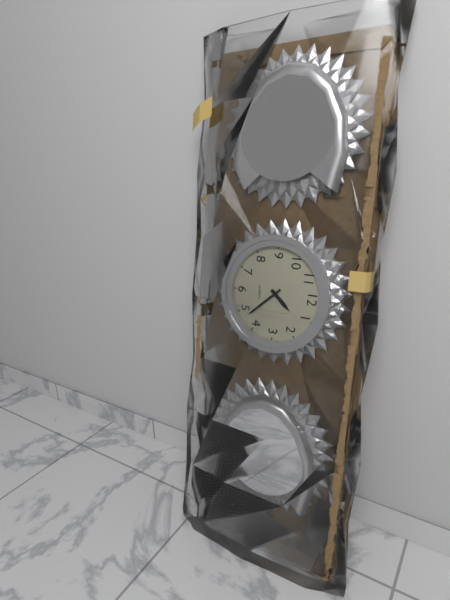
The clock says 1,23
